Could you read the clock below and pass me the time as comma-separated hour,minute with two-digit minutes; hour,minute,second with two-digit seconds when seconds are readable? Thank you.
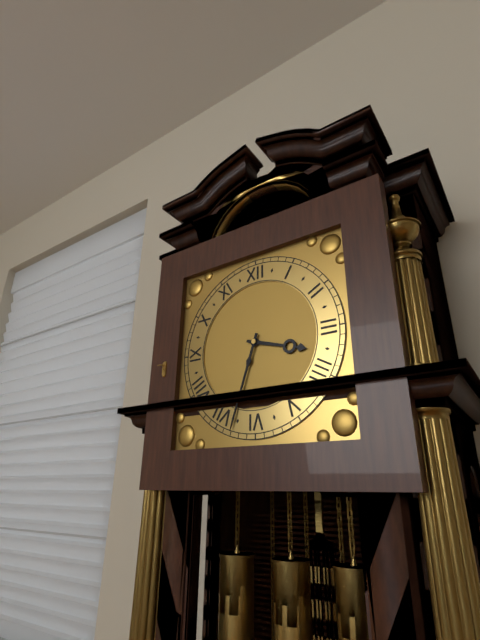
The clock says 3,33
